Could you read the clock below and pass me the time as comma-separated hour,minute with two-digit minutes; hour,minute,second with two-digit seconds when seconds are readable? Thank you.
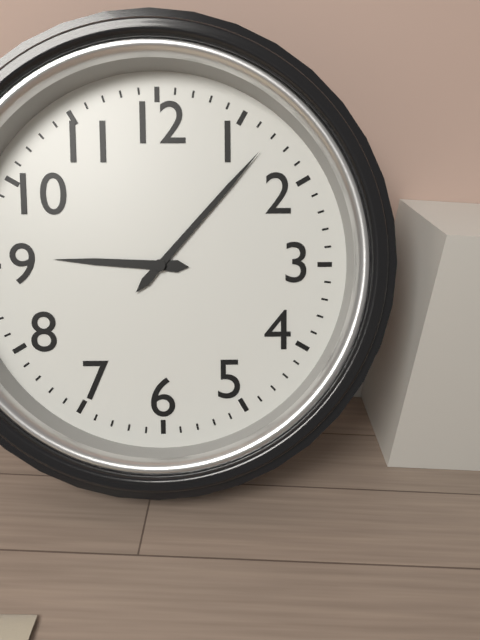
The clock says 9,07
